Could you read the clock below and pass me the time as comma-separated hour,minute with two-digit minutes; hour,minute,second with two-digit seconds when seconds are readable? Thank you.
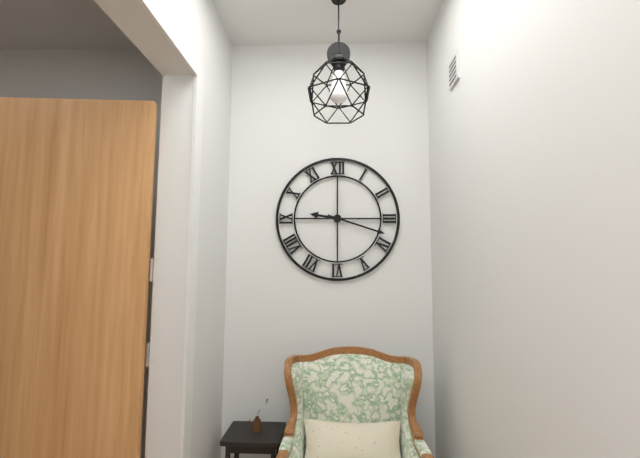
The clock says 9,18
